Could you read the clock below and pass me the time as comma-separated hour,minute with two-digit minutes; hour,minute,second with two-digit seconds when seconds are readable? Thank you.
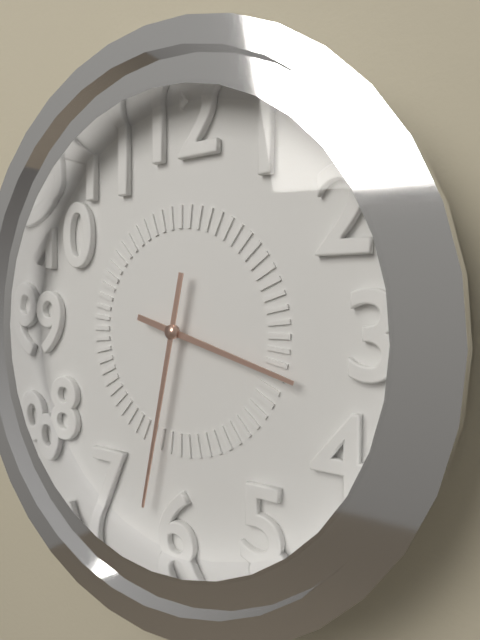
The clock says 3,32
